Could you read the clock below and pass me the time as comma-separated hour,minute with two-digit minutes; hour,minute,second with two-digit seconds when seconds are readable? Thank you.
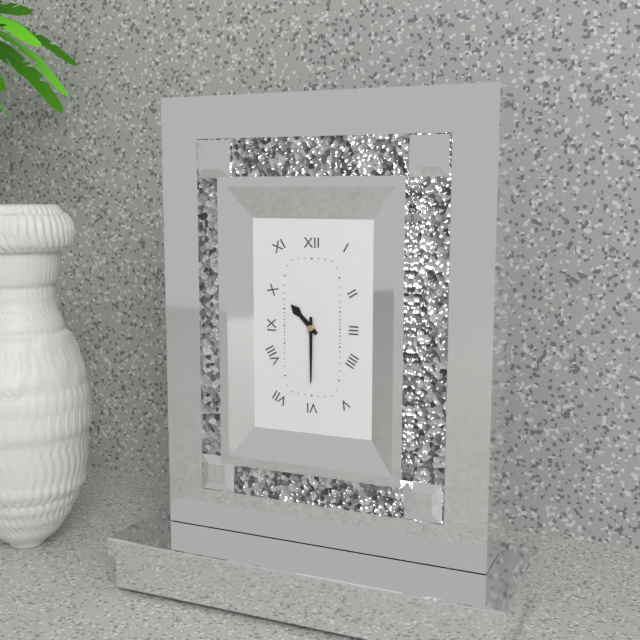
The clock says 10,30
